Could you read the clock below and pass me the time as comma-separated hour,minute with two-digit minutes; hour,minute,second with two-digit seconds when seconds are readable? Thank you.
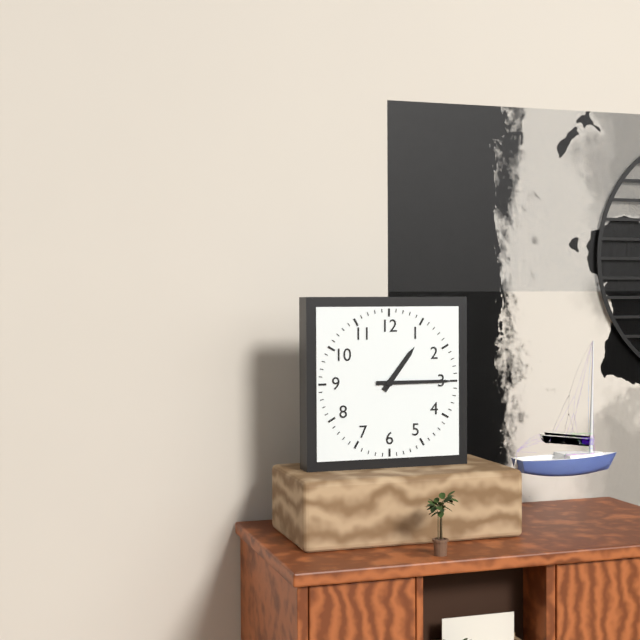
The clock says 1,15
